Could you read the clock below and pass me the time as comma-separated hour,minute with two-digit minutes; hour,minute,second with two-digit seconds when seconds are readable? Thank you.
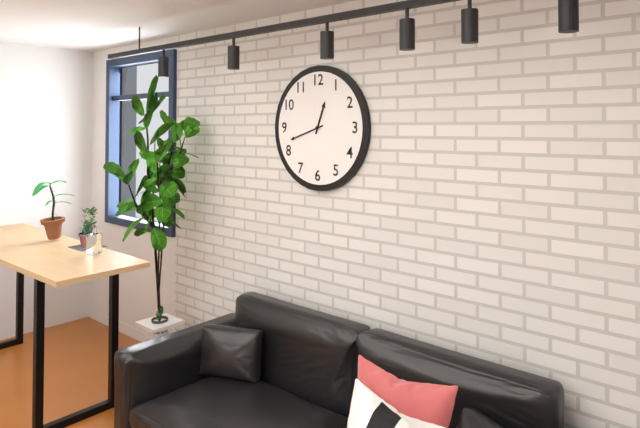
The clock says 12,42
